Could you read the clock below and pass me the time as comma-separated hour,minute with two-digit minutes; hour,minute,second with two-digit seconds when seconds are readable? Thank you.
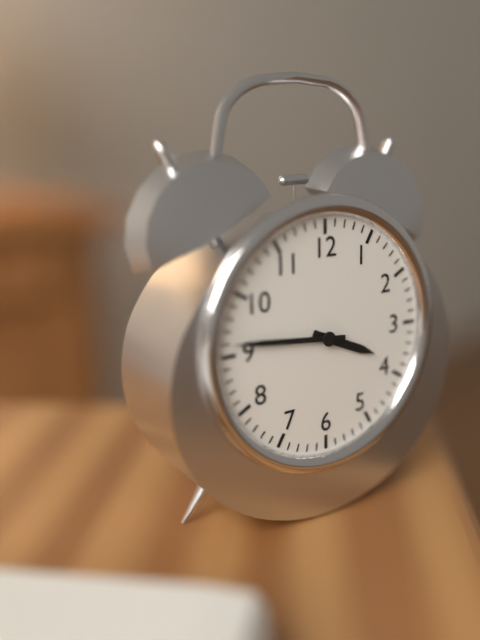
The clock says 3,46
